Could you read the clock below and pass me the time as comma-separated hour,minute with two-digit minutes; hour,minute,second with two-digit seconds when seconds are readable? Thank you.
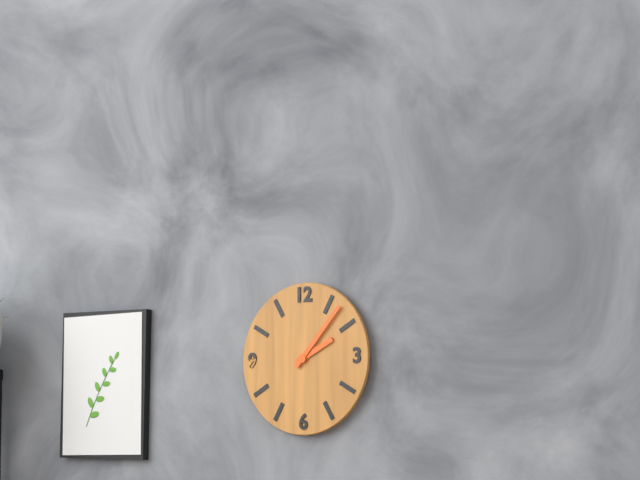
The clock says 2,07
